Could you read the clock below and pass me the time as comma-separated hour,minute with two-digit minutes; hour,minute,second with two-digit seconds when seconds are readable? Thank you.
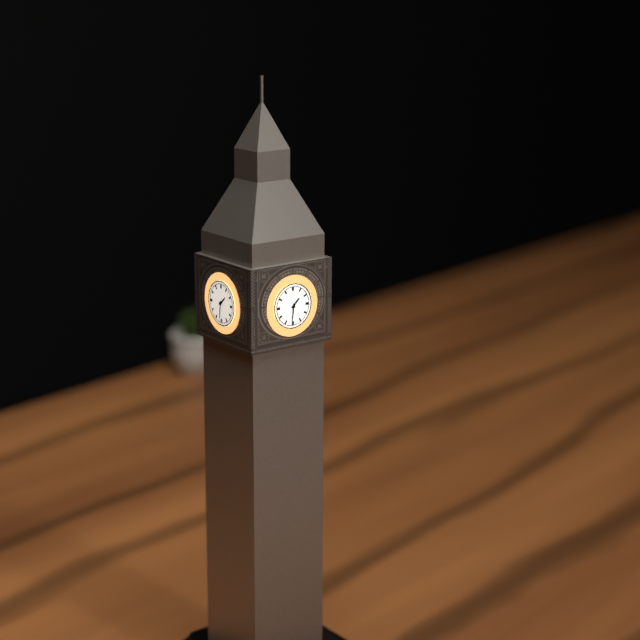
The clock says 1,31
